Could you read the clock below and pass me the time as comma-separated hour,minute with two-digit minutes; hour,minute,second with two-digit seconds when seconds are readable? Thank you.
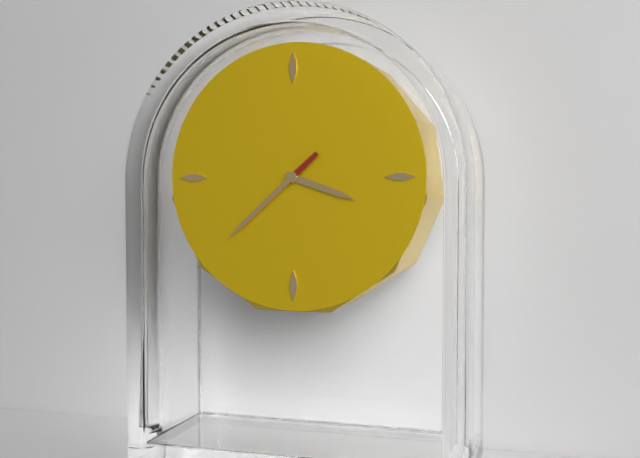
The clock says 3,38
